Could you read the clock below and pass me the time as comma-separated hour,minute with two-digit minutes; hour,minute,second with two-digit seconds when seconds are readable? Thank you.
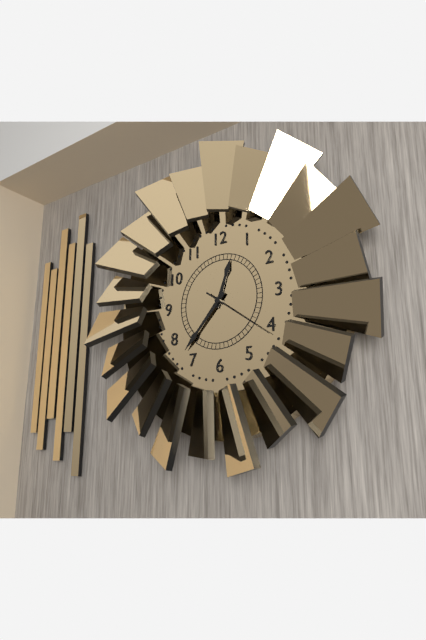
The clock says 12,37,21
